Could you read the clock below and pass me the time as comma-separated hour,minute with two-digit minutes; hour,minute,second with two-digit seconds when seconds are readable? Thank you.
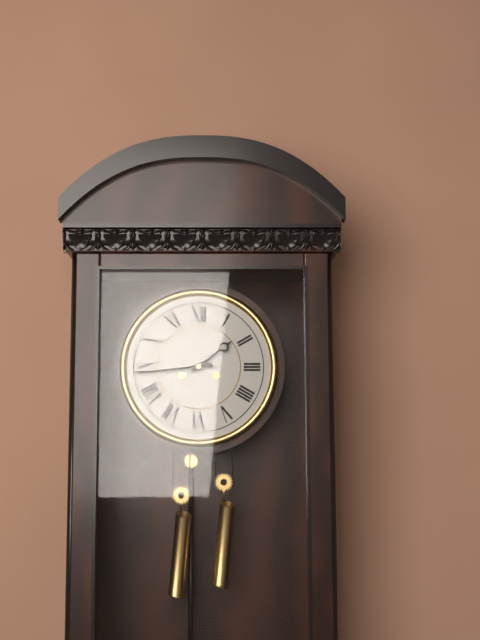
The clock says 1,44
